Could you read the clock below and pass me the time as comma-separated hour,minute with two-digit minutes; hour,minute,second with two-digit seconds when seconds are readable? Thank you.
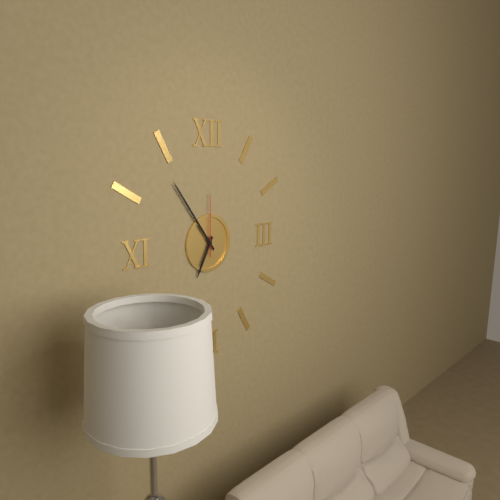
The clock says 6,54,00
